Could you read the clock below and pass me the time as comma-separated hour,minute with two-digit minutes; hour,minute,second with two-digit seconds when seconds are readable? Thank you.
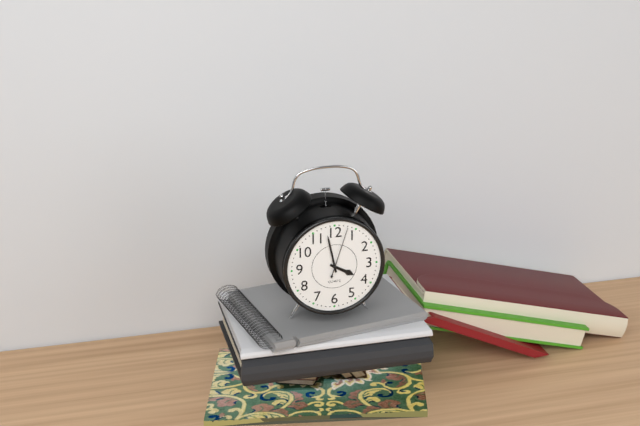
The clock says 3,58
